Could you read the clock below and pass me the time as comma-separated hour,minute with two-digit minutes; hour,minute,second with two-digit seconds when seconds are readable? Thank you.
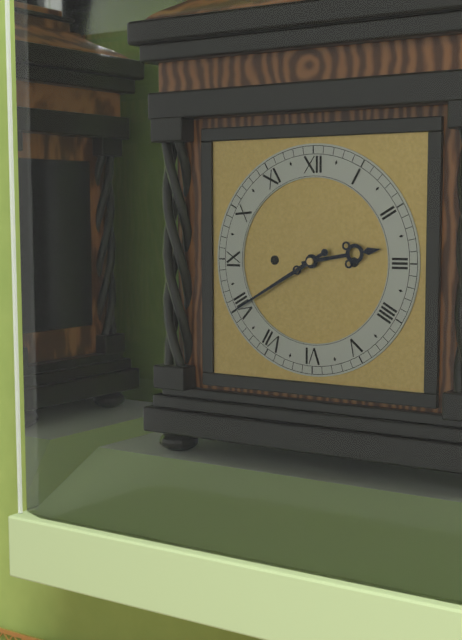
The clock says 2,40
